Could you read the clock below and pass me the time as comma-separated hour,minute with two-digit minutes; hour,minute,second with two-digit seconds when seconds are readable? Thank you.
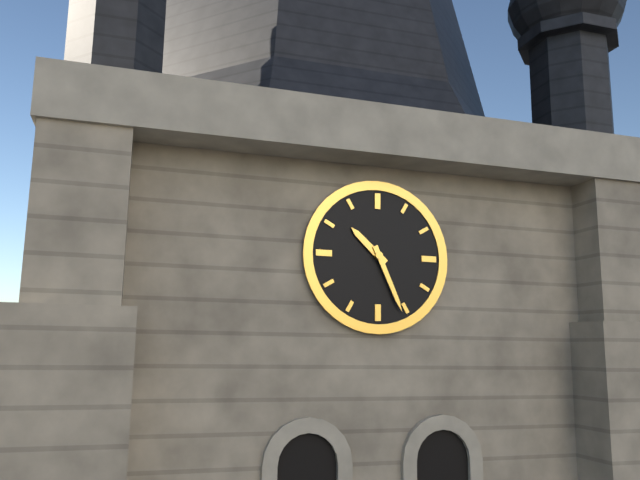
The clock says 10,26
